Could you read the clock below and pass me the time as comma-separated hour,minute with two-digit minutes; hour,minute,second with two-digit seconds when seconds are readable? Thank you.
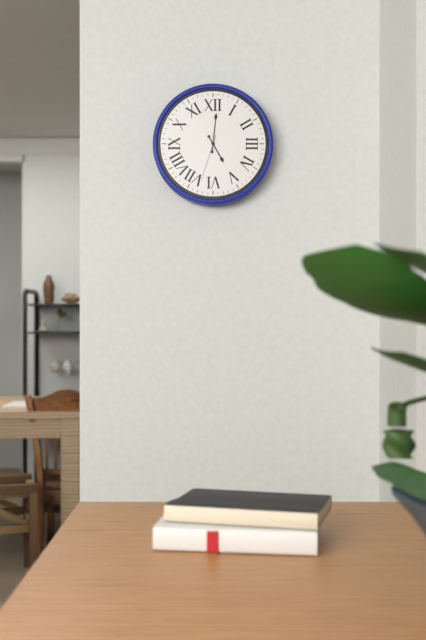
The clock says 5,01
